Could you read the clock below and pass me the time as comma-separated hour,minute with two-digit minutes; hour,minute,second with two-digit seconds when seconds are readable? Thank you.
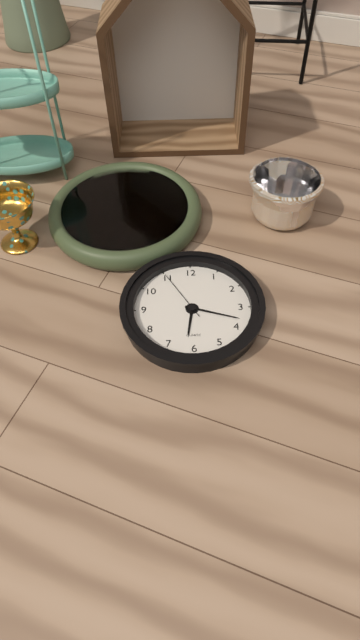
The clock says 6,18,55
